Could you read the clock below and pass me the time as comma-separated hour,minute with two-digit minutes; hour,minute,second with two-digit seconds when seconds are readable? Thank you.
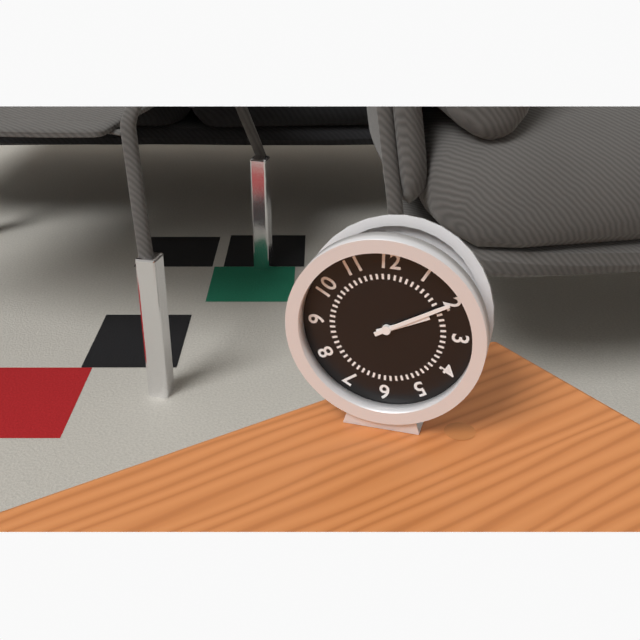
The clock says 2,10
